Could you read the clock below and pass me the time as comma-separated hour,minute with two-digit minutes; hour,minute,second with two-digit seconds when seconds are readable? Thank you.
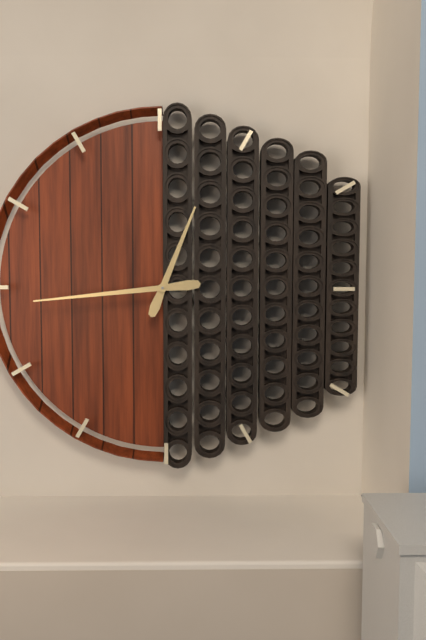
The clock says 12,44
